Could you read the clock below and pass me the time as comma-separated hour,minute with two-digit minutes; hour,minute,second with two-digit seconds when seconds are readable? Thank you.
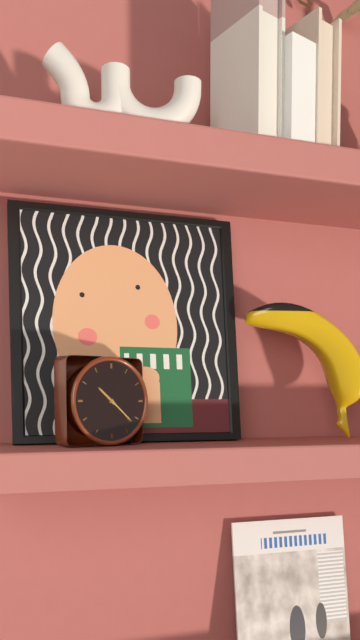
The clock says 10,22
